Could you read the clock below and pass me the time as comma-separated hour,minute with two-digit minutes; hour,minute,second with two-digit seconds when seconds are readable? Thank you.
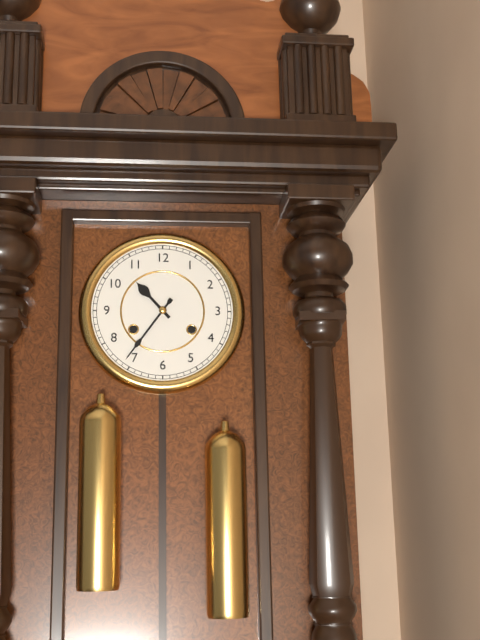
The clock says 10,36
